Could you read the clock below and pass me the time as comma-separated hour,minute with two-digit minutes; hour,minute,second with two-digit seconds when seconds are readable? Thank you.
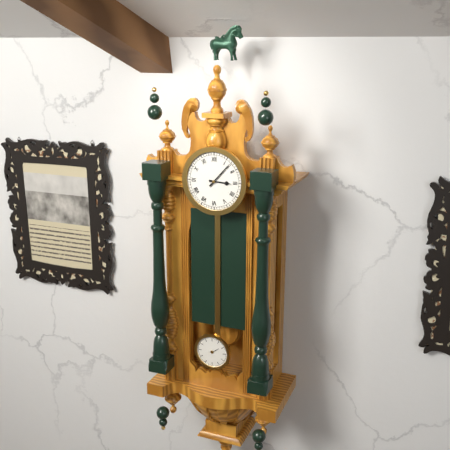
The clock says 3,07
